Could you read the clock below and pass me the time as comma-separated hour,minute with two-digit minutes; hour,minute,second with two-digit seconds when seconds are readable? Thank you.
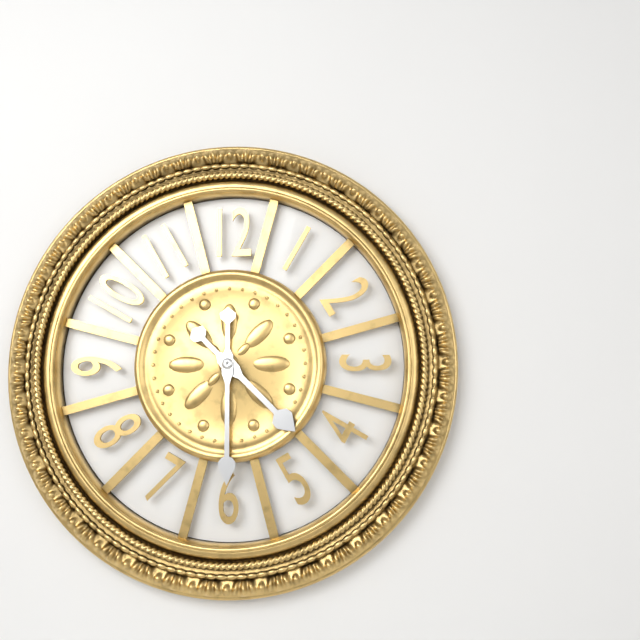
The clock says 4,30
